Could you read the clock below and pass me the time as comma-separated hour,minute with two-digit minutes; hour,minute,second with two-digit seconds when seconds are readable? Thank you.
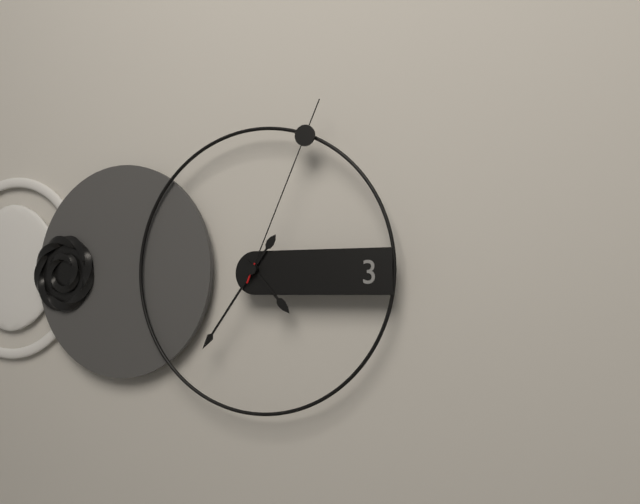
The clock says 4,36,04
